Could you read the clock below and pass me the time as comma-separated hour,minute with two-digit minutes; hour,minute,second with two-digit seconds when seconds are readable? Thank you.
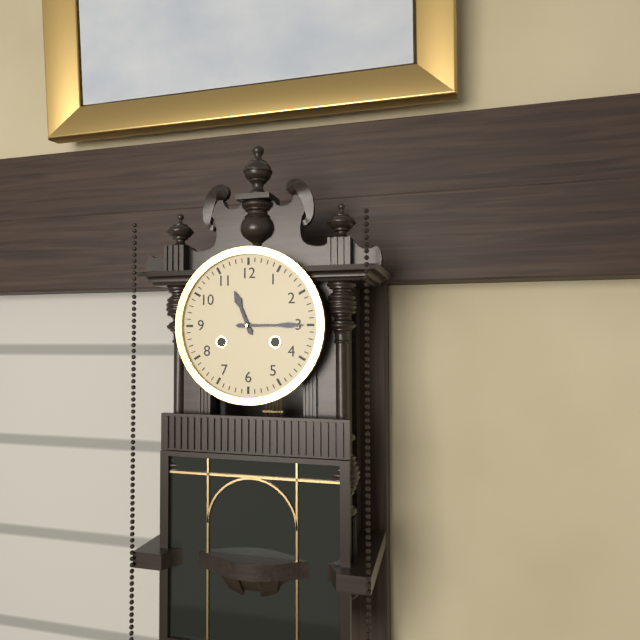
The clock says 11,15
